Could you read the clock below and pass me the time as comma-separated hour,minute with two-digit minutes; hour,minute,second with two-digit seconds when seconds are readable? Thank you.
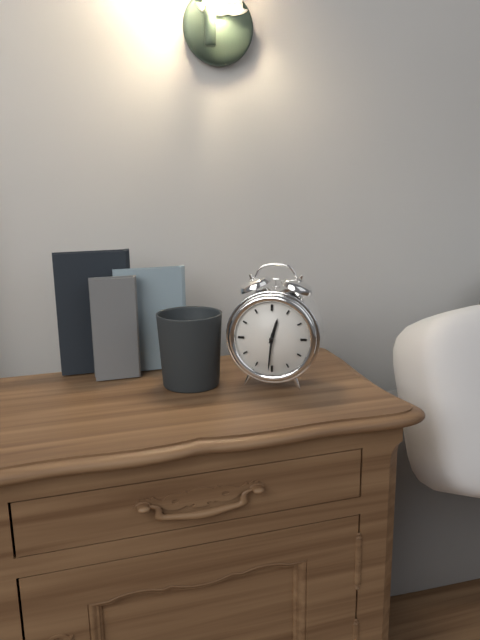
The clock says 12,31
